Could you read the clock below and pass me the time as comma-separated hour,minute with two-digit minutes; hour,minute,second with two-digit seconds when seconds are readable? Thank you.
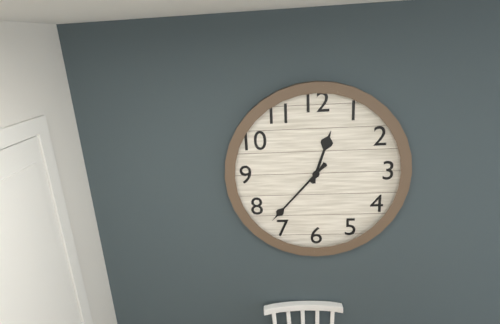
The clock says 12,37
